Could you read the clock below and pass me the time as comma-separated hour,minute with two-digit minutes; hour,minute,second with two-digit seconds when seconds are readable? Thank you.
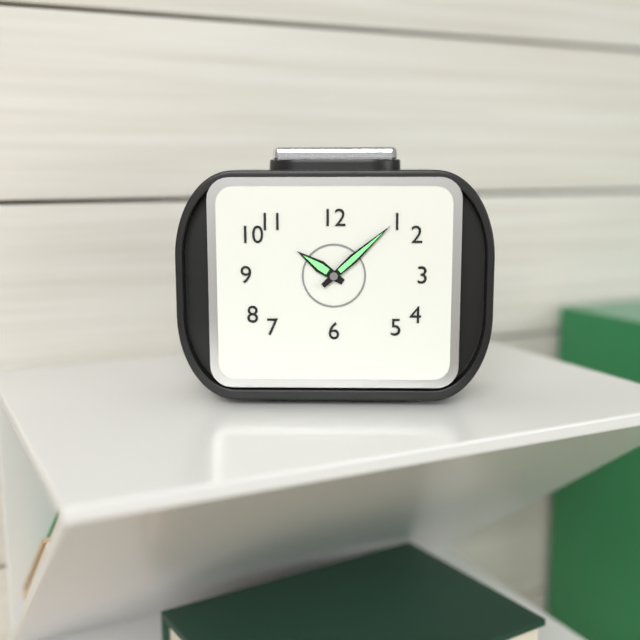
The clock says 10,08
